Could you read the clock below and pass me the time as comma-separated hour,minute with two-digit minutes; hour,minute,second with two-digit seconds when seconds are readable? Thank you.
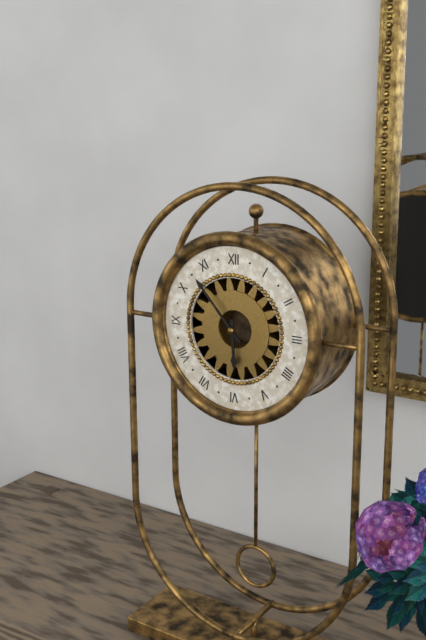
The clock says 5,53
